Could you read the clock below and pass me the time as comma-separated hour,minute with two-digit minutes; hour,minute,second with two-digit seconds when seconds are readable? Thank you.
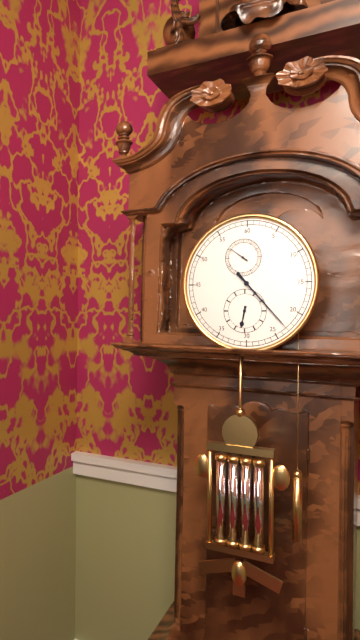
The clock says 6,23
